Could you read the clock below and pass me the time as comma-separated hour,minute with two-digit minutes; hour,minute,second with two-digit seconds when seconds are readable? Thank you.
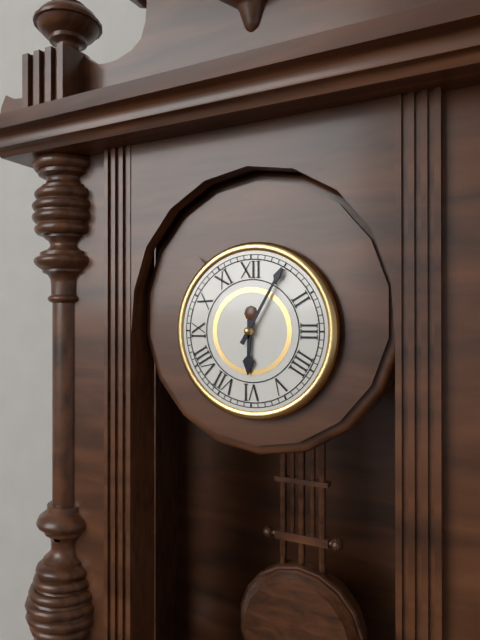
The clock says 6,05
